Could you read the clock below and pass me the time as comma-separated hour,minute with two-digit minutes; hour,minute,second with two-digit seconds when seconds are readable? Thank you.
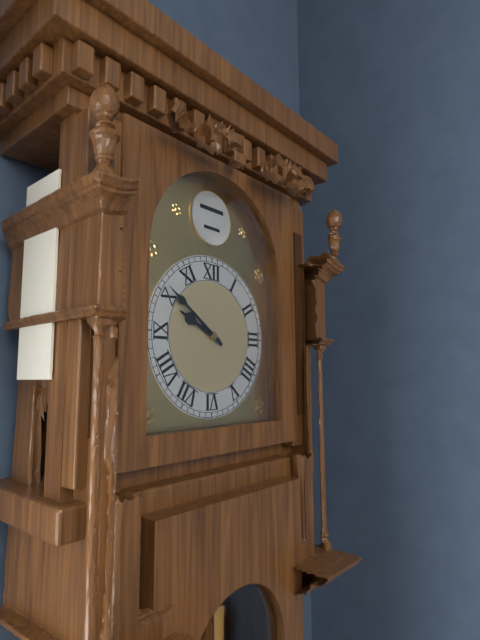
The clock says 9,51
